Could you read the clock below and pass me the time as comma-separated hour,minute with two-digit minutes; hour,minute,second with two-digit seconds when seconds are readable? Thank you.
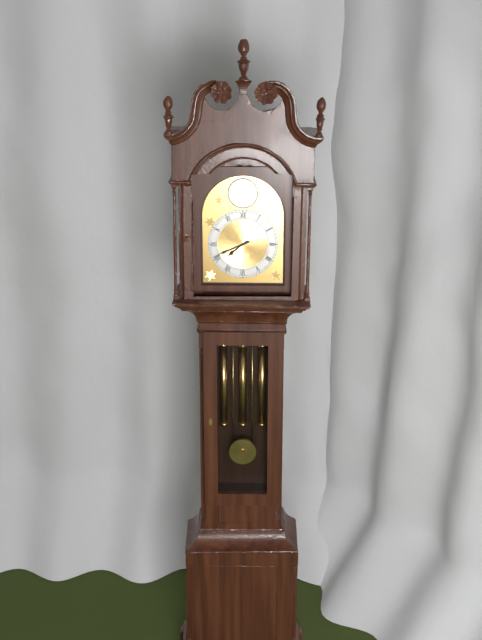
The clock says 7,41
